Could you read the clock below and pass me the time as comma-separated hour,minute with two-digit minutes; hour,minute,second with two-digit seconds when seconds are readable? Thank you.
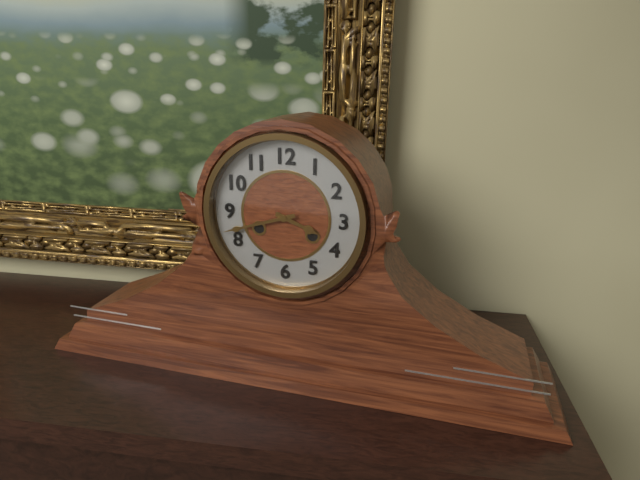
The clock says 3,42
